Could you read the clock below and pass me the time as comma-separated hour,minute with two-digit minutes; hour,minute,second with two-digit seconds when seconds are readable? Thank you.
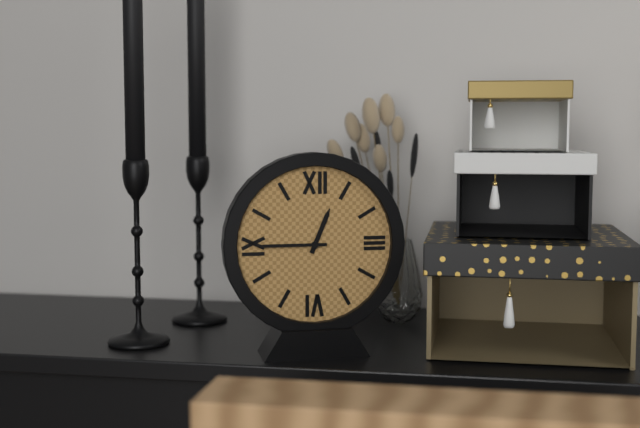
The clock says 12,45
